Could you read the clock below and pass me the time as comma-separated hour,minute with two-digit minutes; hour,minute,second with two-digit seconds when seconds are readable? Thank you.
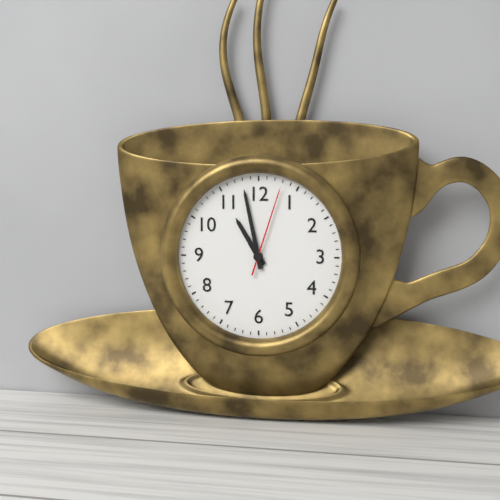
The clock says 10,58,03
